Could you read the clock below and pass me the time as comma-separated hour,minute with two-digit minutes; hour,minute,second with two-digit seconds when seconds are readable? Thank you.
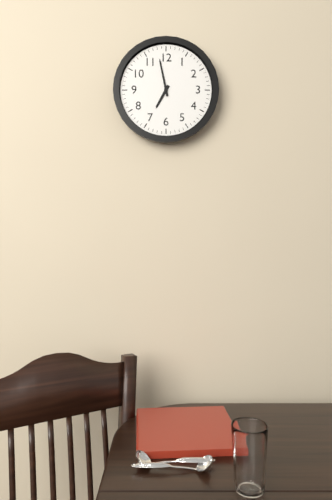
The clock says 6,58
